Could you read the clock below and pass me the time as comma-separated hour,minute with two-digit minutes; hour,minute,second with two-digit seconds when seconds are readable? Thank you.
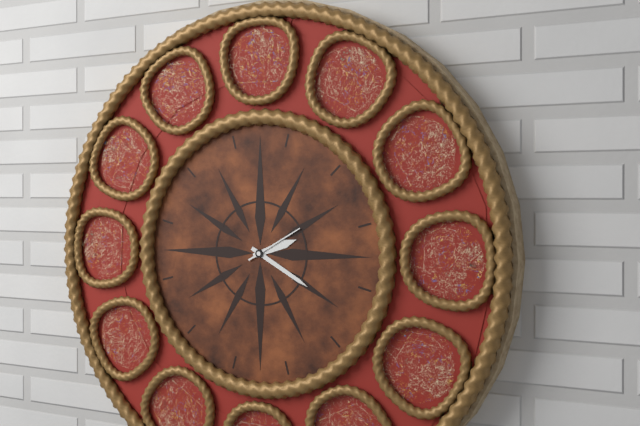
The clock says 2,20,10
